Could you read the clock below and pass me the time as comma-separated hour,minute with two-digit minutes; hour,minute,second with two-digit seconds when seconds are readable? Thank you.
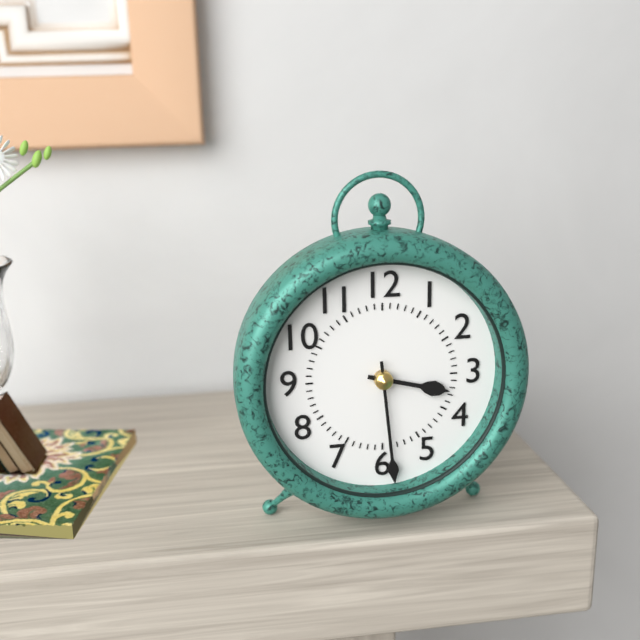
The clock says 3,29
